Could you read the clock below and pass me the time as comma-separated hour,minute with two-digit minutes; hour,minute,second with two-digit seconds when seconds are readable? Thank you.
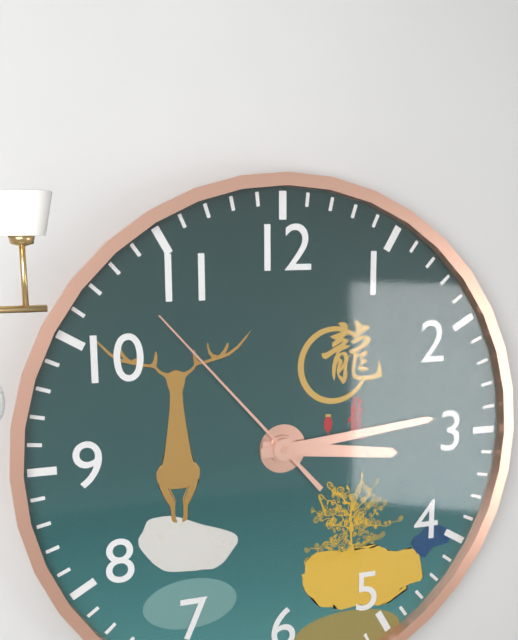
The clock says 3,14,53
